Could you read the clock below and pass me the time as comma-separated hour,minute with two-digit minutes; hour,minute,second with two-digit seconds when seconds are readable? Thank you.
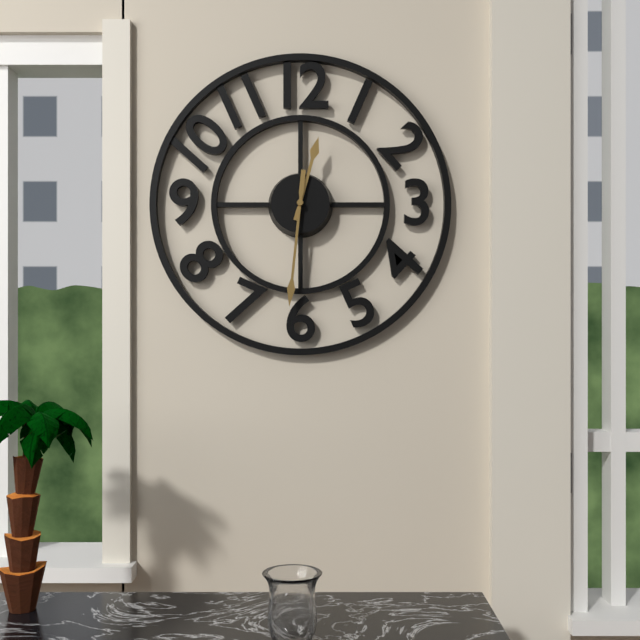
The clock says 12,31
